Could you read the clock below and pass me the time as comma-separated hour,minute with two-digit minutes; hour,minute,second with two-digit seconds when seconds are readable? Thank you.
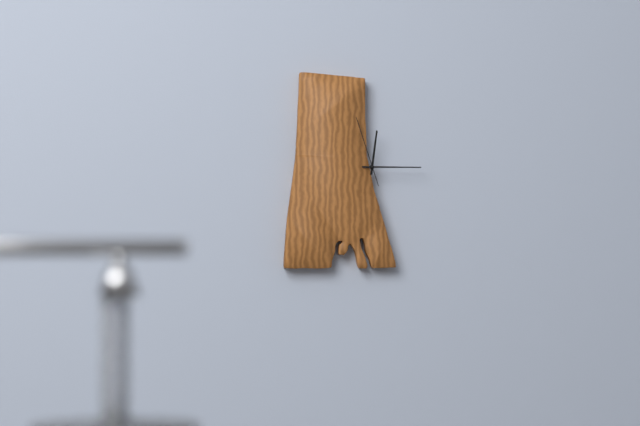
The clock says 12,15,57
